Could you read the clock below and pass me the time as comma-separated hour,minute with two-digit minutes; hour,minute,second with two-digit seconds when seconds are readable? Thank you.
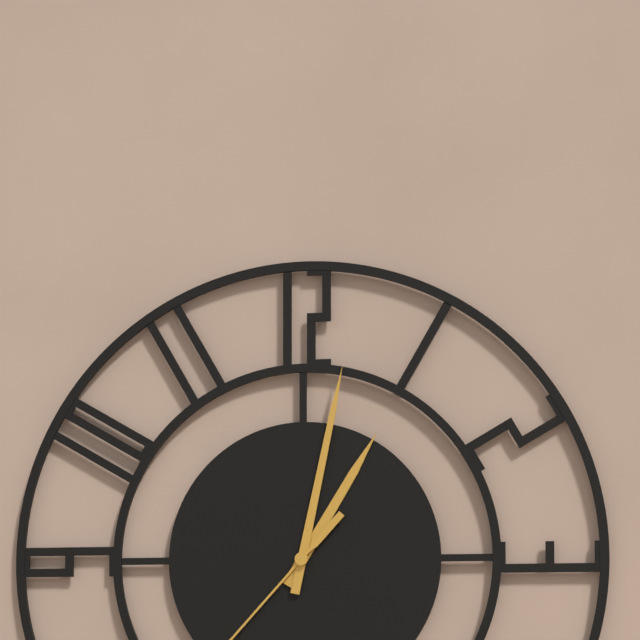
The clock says 1,02
